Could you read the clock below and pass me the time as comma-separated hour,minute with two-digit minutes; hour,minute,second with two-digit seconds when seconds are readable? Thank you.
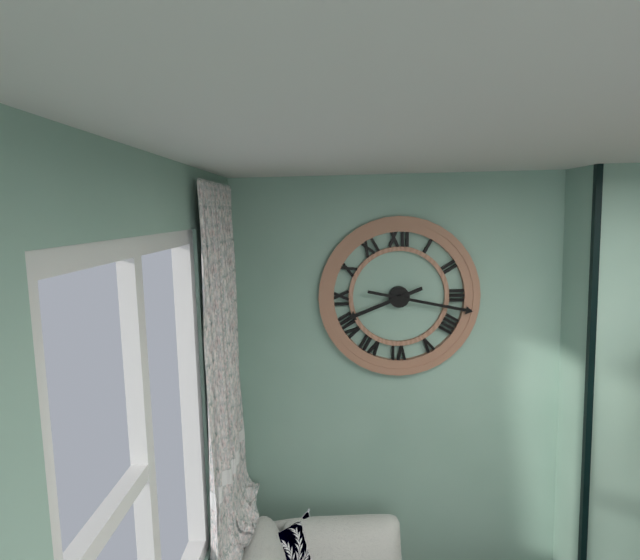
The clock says 8,17
